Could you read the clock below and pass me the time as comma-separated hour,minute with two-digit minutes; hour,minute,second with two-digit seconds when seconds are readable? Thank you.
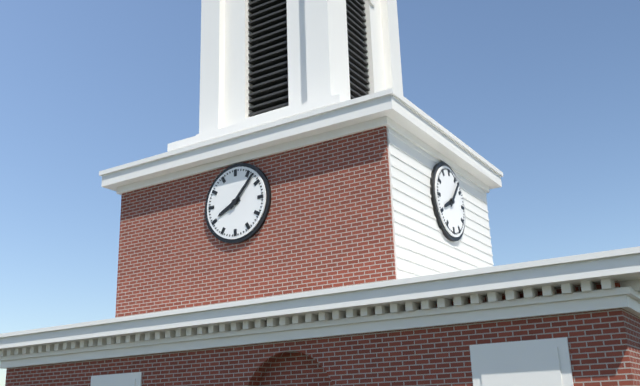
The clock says 8,07
